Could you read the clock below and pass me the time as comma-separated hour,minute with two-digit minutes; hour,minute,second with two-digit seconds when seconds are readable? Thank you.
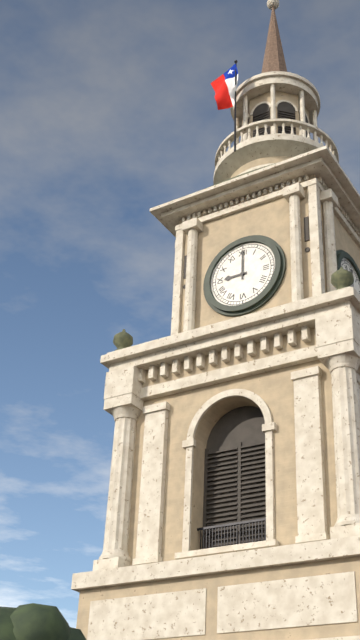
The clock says 9,00
